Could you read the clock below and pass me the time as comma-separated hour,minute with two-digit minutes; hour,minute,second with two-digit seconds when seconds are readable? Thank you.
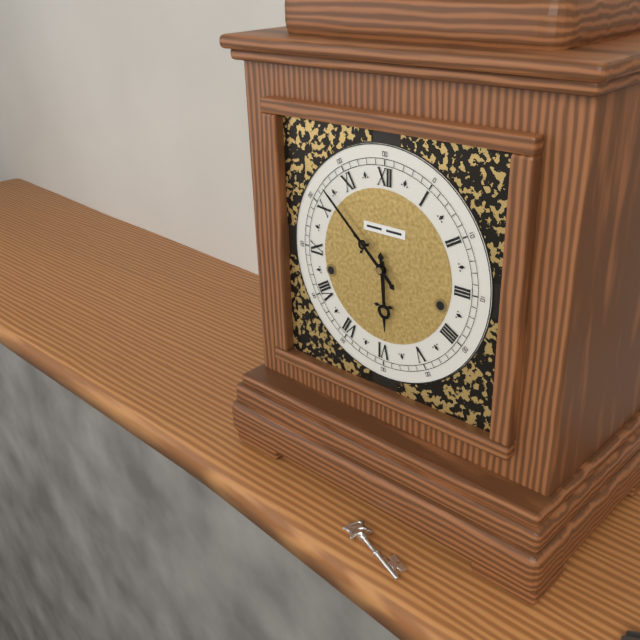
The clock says 5,52
